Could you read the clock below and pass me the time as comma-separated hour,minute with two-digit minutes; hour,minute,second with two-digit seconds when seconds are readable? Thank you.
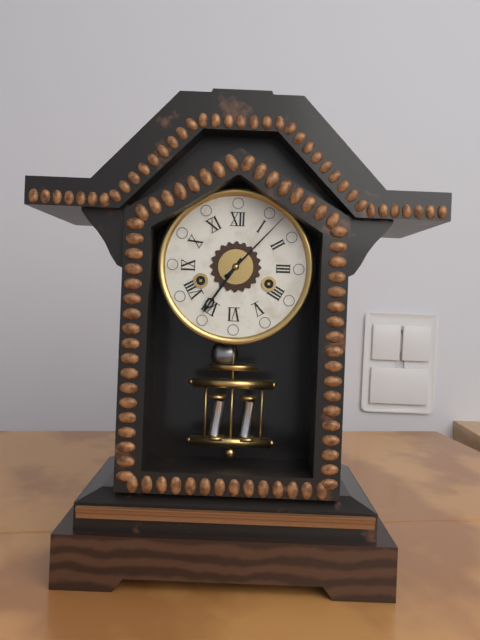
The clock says 7,07
